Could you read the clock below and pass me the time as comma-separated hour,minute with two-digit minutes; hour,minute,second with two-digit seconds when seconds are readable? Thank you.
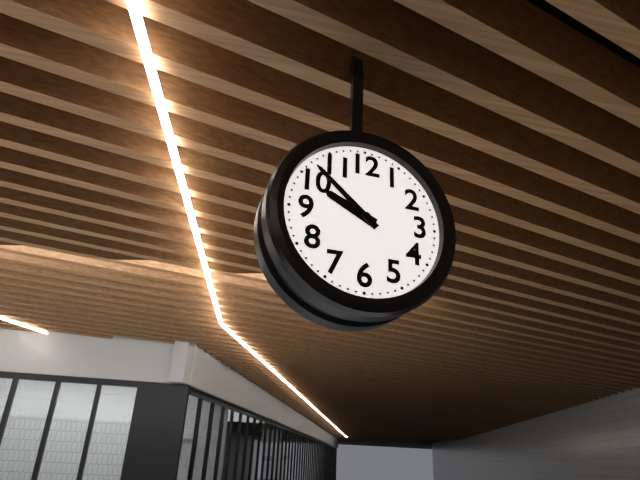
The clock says 9,52
